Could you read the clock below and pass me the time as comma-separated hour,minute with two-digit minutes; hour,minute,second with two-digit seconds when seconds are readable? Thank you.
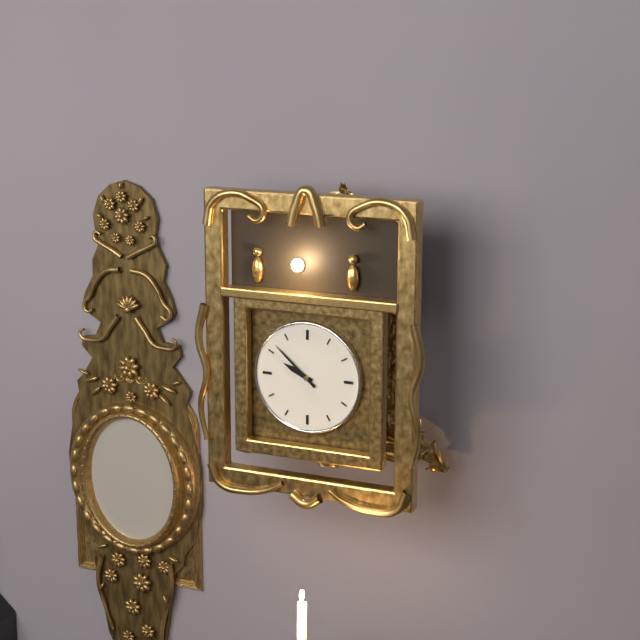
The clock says 9,52
